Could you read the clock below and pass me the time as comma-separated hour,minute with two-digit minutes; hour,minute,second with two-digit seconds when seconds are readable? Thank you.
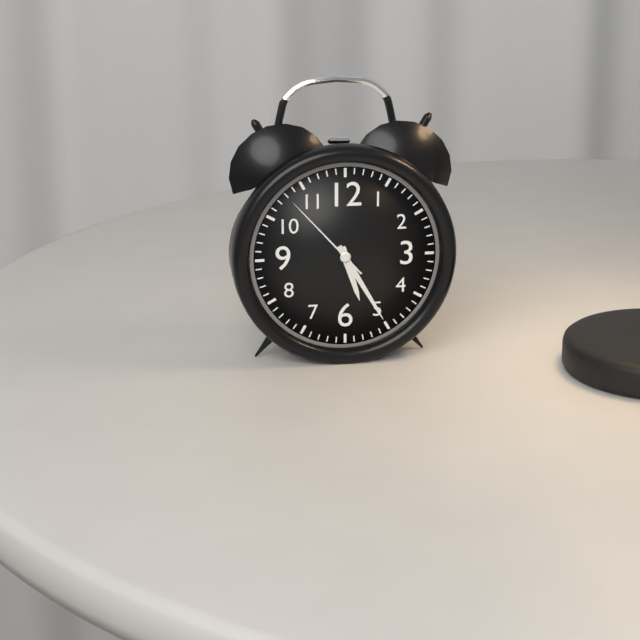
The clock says 5,25,53
